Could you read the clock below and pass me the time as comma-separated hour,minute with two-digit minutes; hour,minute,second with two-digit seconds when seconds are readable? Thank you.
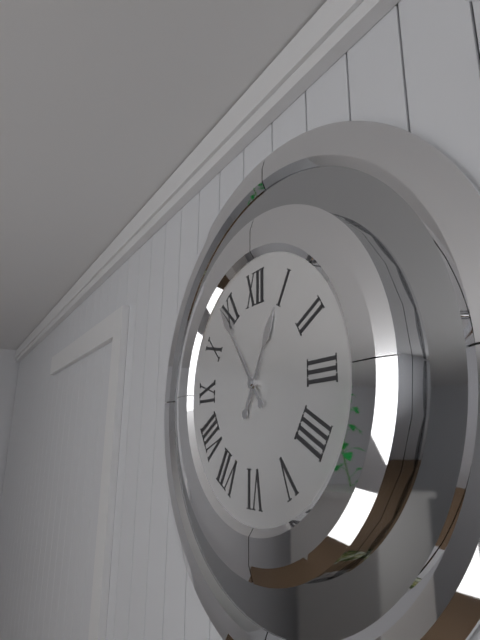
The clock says 12,54
